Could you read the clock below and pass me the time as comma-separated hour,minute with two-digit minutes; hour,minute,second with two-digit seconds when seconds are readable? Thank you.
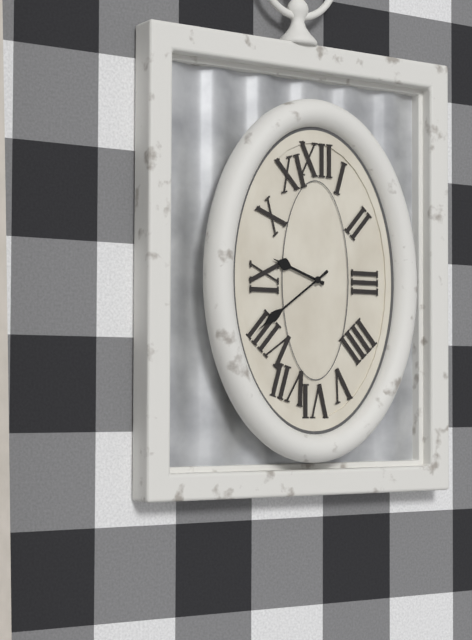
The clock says 9,39
